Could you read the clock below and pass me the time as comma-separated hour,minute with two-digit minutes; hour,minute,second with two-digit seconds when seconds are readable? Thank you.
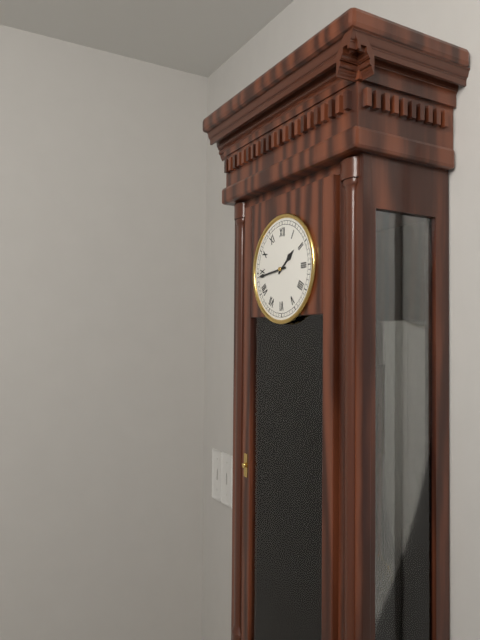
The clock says 1,44
